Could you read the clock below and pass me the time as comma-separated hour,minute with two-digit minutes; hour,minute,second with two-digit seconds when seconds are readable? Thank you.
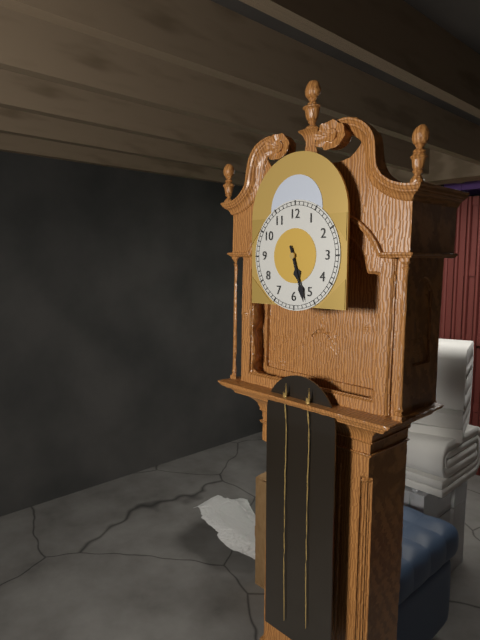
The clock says 5,27
